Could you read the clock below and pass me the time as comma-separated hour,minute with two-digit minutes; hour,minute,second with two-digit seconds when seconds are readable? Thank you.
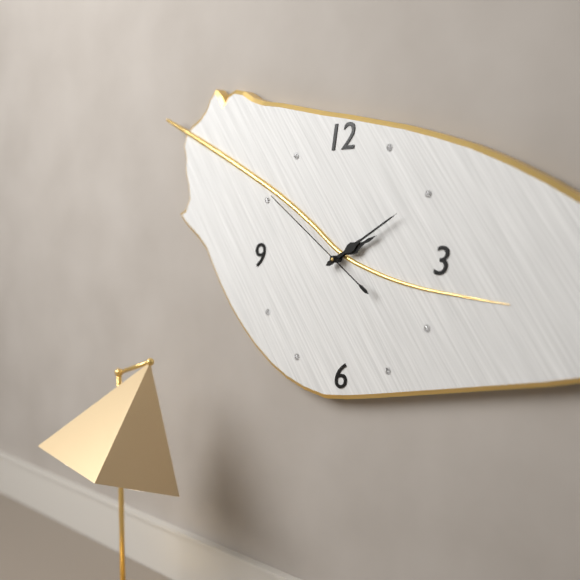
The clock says 2,10,51
